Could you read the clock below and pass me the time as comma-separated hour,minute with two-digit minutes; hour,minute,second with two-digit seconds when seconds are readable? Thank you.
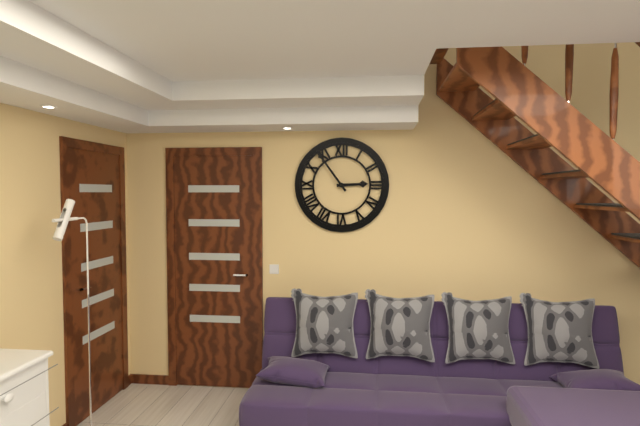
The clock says 2,54
